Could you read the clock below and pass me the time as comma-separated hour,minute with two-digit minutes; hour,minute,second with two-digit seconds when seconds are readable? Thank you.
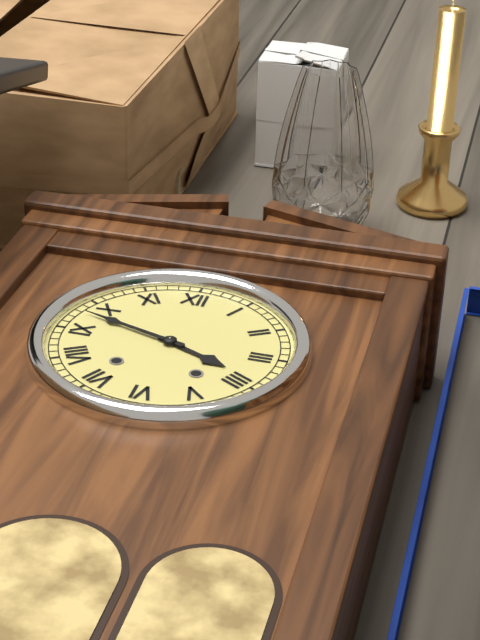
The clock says 3,48
